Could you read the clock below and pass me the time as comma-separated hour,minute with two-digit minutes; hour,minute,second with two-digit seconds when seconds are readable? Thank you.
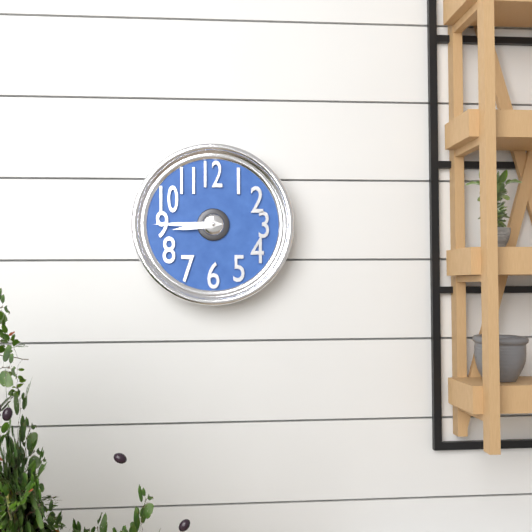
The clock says 8,45
